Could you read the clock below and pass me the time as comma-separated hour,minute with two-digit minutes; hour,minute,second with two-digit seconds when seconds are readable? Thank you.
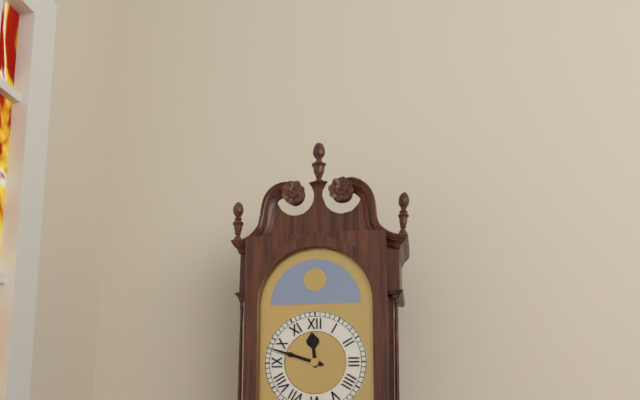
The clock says 11,48
